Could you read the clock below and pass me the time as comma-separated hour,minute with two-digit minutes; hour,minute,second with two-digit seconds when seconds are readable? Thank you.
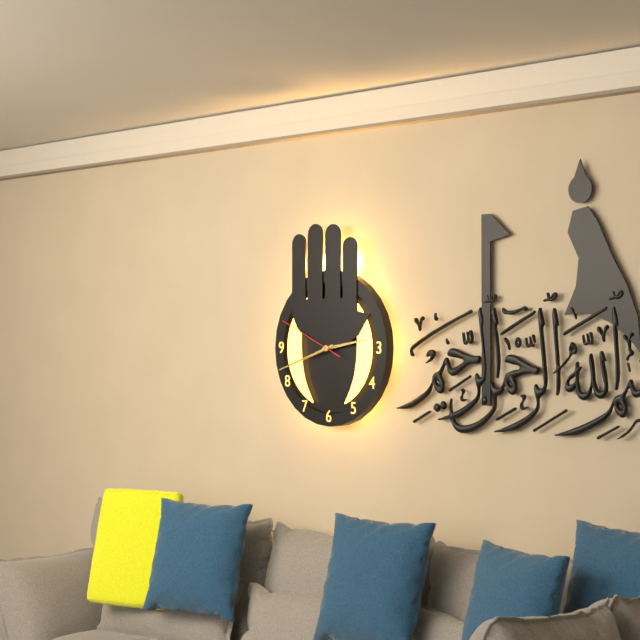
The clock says 2,42,49
